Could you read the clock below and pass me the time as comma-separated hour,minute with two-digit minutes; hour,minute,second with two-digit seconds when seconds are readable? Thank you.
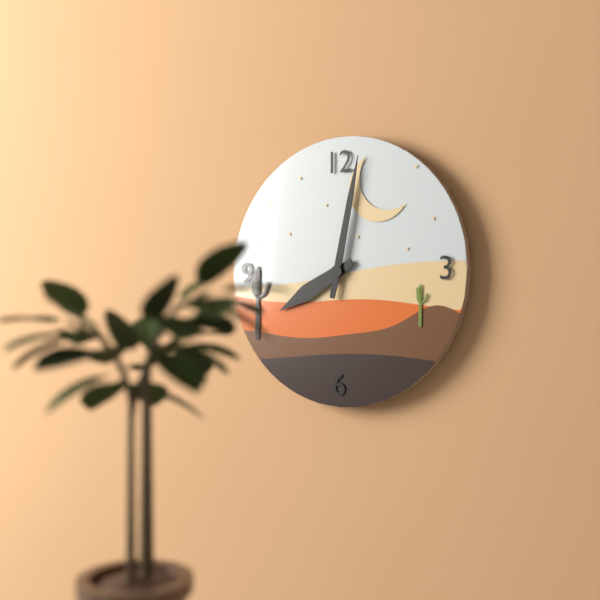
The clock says 8,02
